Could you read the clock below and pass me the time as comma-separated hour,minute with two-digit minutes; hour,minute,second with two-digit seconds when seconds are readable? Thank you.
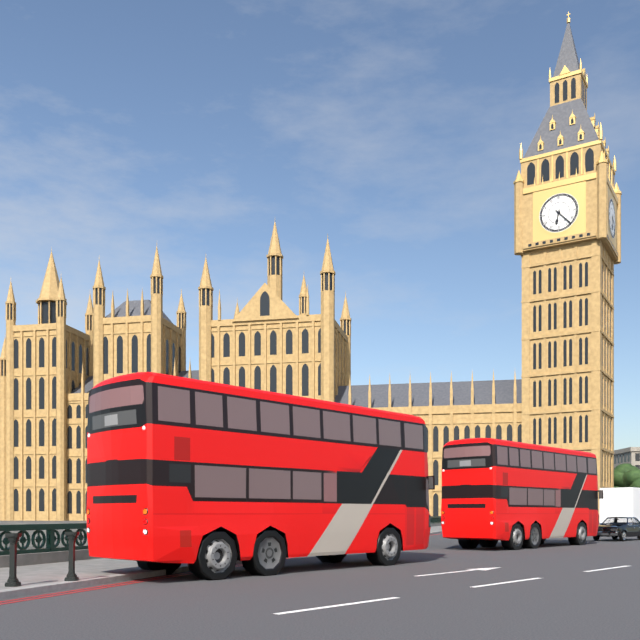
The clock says 6,23
